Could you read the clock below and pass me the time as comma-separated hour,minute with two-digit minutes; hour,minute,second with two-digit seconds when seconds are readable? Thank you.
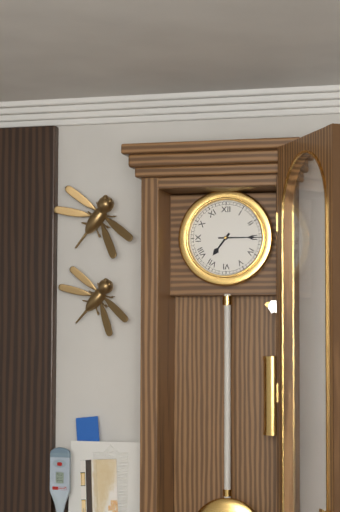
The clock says 7,15
